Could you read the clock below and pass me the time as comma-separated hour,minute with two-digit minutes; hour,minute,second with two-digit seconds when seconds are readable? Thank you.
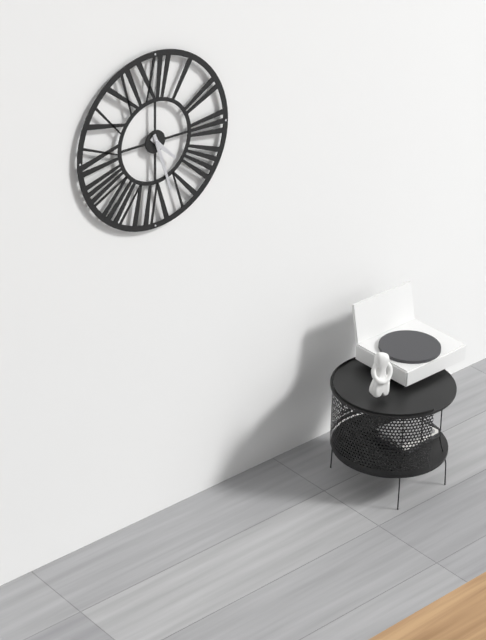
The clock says 4,27
